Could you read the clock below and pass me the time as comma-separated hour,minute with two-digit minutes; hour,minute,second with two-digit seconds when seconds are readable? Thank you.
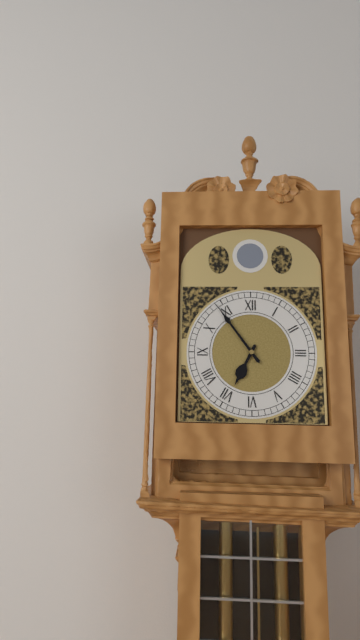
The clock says 6,54
